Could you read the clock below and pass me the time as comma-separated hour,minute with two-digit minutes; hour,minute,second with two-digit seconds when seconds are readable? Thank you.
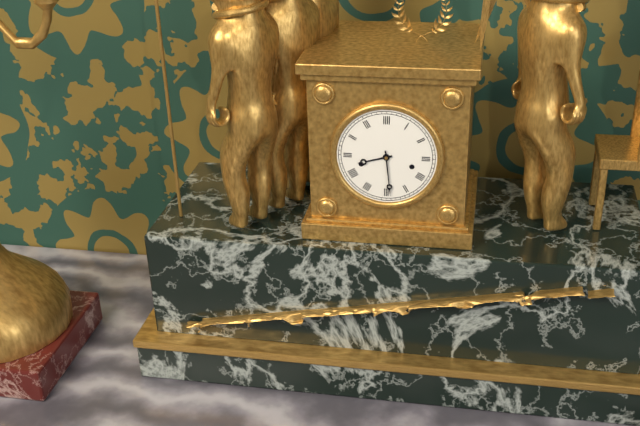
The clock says 8,29
